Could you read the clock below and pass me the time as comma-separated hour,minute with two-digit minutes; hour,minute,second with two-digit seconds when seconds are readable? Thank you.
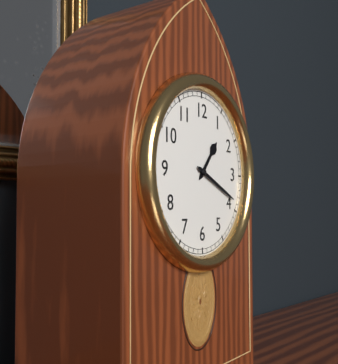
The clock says 1,19
